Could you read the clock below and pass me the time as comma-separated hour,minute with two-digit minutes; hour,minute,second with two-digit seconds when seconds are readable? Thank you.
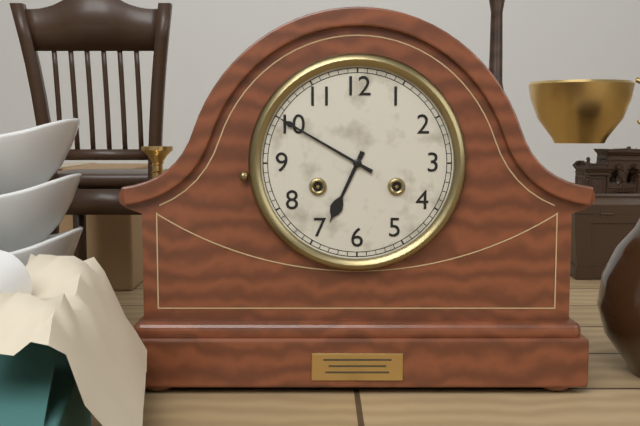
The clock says 6,50
